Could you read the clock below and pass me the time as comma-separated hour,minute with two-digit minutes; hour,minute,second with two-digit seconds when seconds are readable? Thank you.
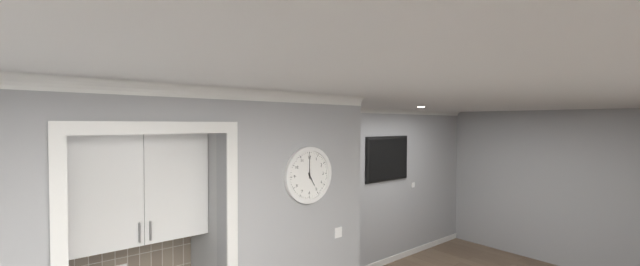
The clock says 5,00
